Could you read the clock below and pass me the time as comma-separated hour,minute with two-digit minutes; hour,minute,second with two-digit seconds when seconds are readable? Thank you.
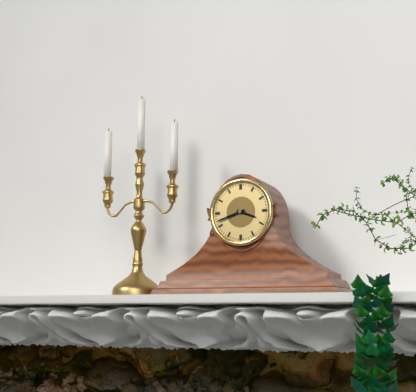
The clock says 3,42
